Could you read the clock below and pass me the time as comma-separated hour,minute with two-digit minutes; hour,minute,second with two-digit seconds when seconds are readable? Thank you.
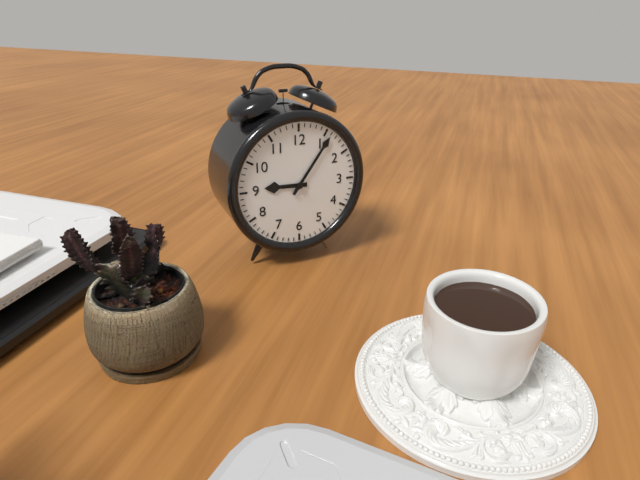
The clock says 9,06
